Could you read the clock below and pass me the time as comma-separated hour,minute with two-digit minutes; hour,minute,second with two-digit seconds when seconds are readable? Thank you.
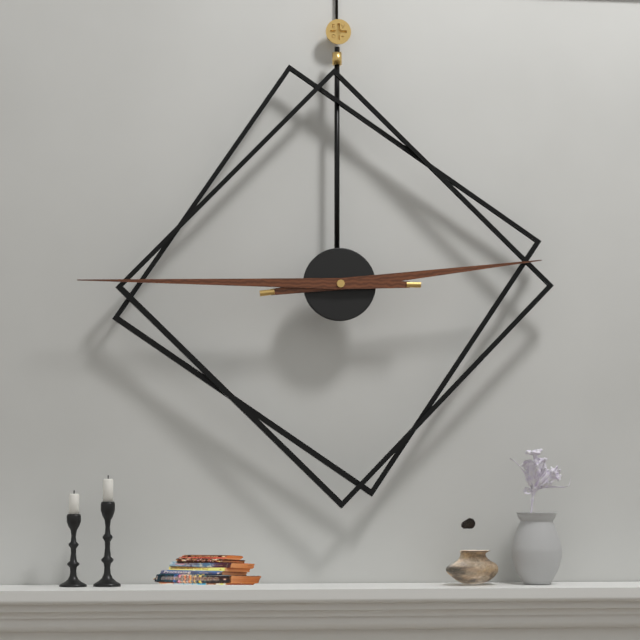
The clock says 2,45
